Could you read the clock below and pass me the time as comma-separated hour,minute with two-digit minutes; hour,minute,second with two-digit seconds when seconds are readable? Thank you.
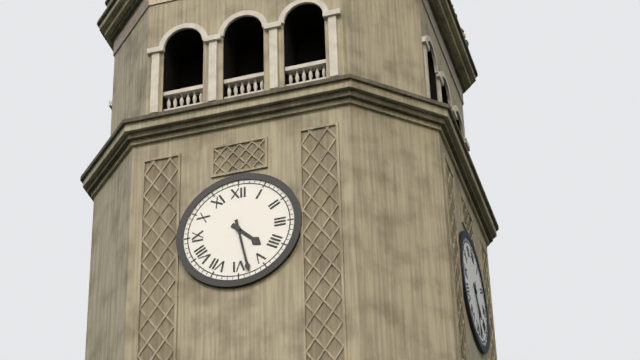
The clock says 4,28
